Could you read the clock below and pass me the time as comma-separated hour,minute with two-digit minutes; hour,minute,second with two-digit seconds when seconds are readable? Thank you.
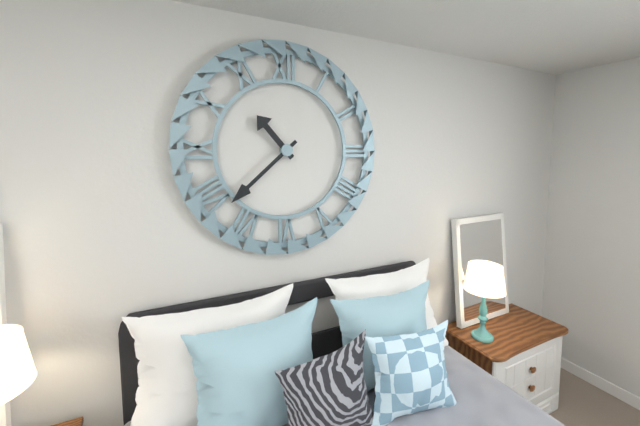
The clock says 10,38
